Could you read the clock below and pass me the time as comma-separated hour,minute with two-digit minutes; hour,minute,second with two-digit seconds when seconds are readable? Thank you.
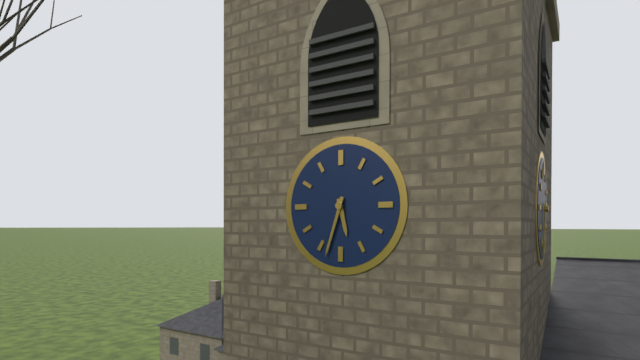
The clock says 5,33
